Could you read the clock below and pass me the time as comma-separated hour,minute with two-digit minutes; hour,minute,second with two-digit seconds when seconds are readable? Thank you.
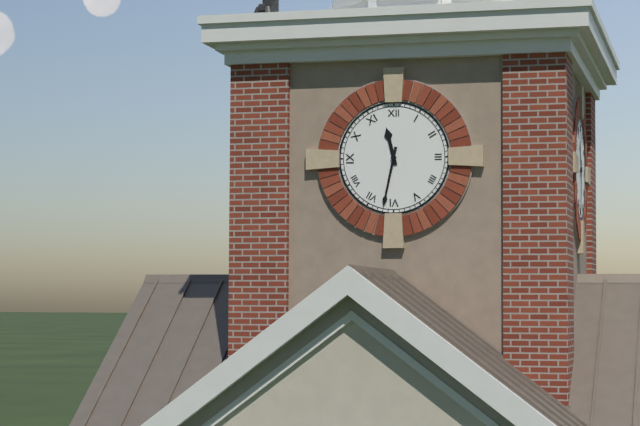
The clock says 11,32
